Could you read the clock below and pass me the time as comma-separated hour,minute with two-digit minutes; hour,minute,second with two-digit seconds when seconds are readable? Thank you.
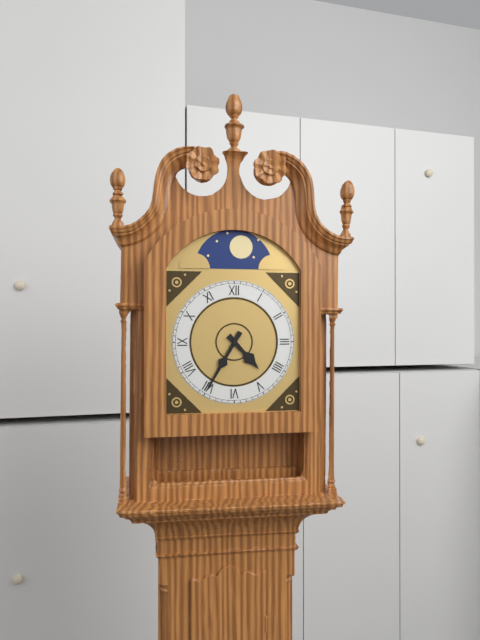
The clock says 4,35
